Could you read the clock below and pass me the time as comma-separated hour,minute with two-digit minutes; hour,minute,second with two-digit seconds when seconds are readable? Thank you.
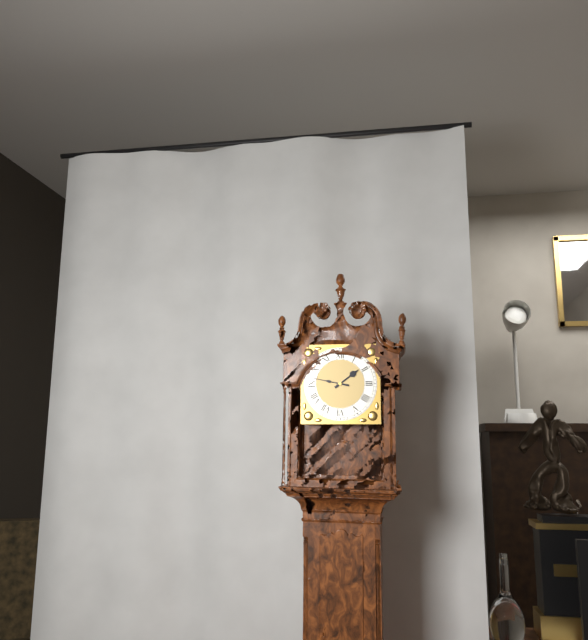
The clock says 1,47
